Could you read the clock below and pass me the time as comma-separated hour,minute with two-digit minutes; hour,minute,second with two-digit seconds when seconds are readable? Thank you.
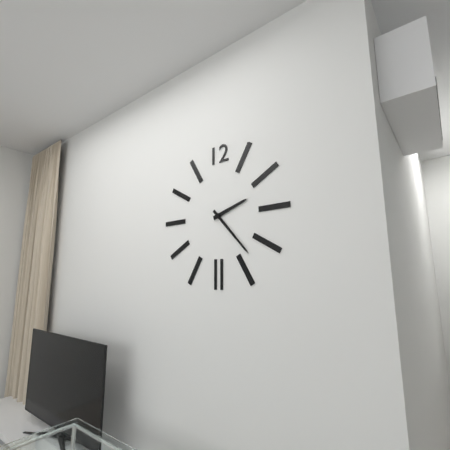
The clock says 2,23
